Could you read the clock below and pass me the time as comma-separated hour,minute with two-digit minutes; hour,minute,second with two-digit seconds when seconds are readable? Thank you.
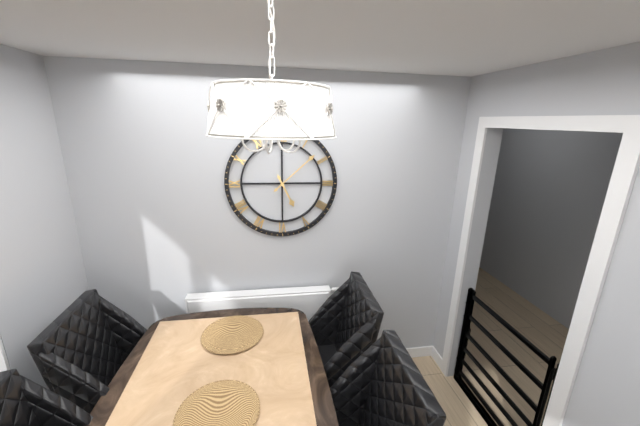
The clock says 5,08
